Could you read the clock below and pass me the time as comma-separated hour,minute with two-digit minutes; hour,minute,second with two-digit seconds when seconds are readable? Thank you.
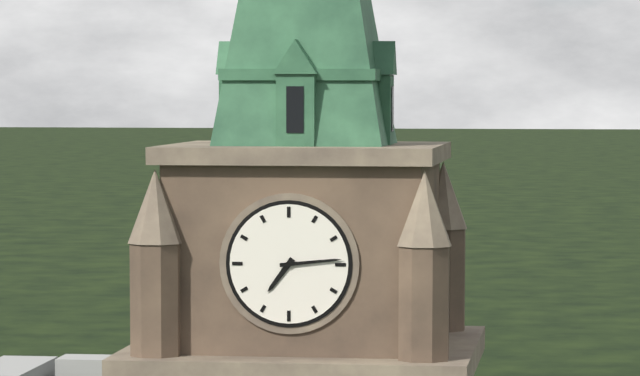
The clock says 7,14
